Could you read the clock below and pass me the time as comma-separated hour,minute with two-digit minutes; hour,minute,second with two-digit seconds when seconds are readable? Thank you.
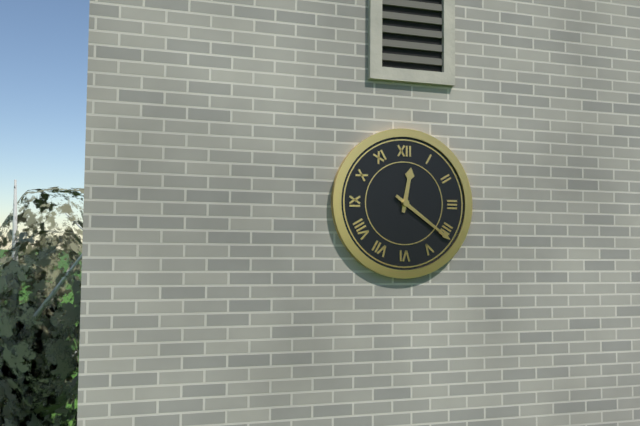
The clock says 12,21
